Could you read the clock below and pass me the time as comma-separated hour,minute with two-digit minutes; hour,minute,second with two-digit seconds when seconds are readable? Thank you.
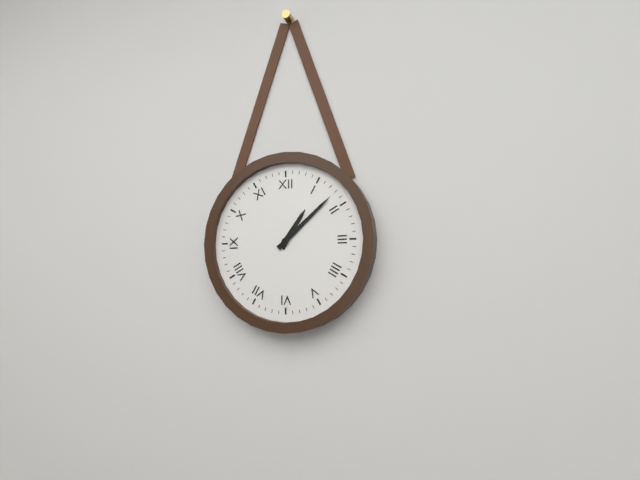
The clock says 1,08
